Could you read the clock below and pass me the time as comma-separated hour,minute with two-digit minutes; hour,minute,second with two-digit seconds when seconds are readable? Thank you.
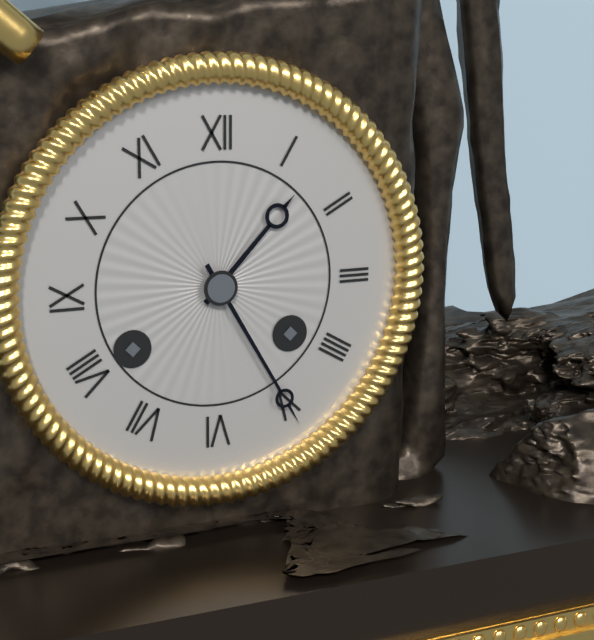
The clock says 1,25
